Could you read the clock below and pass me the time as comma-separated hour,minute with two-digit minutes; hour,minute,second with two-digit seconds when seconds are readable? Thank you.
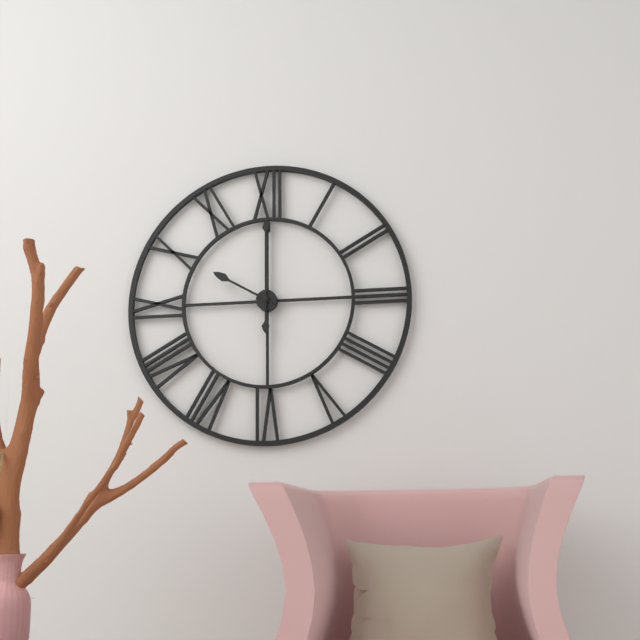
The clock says 10,00
